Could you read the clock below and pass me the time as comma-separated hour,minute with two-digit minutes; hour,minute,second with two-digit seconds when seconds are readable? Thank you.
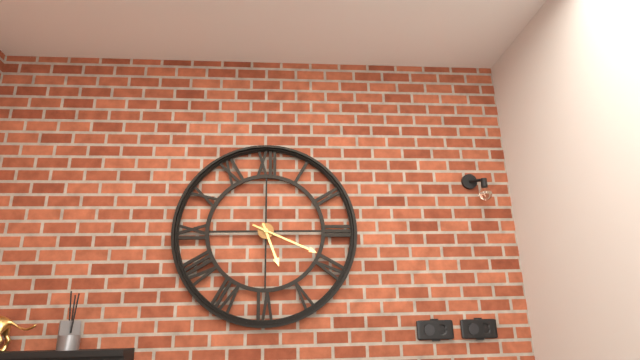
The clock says 5,19
